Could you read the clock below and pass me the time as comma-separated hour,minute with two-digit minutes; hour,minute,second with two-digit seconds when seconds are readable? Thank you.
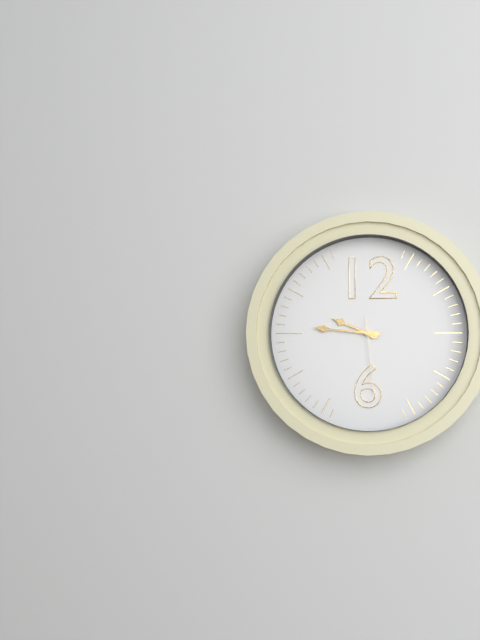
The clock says 9,46,29
